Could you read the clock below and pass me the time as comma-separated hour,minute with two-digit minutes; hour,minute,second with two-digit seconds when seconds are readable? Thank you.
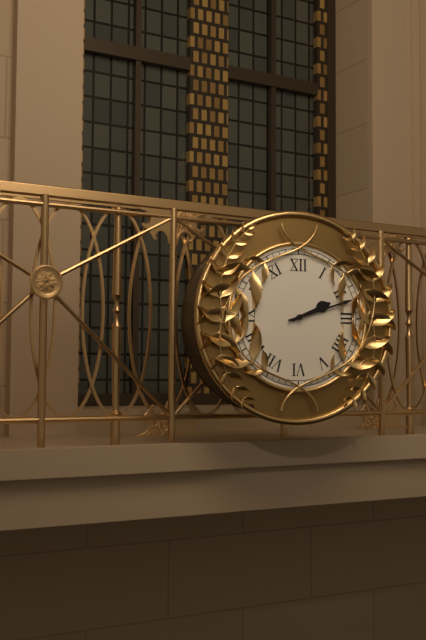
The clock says 2,12
